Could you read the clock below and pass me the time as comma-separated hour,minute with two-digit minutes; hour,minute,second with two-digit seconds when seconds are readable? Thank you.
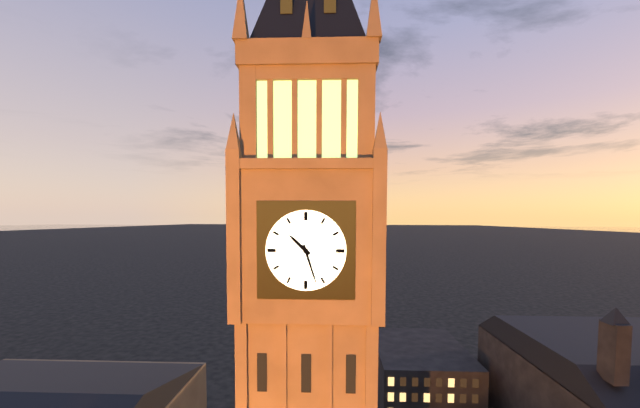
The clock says 10,27
